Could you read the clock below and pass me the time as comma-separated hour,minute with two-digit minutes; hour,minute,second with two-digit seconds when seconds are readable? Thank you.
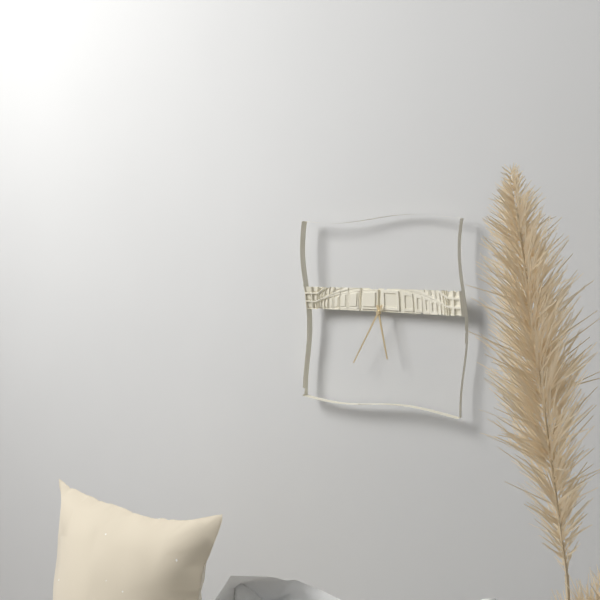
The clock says 5,35
